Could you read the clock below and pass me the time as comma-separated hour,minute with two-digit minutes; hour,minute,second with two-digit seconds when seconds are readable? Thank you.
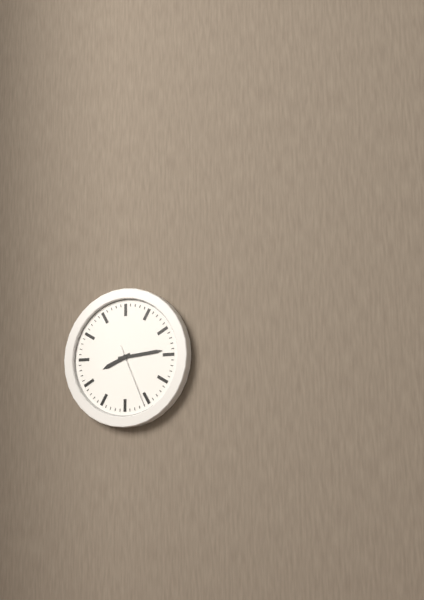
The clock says 8,14,26
